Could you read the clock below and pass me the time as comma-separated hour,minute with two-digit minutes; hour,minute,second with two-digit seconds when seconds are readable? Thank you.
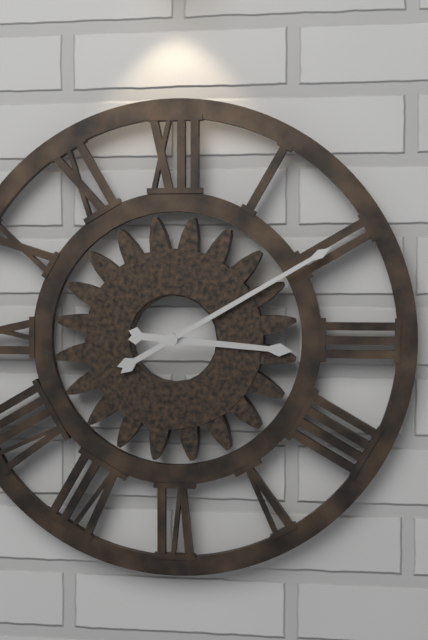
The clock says 3,10
